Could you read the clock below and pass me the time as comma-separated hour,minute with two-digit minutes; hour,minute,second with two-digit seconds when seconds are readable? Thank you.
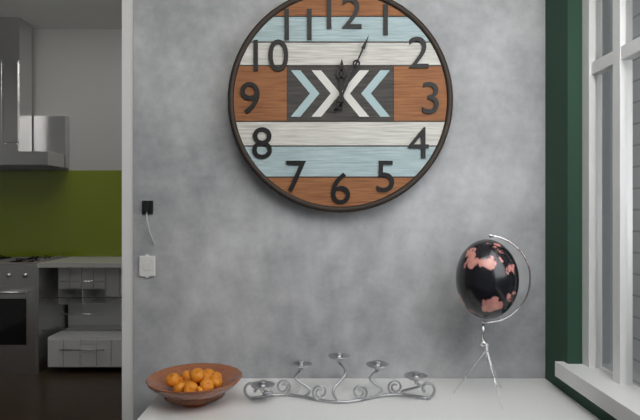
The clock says 12,04
